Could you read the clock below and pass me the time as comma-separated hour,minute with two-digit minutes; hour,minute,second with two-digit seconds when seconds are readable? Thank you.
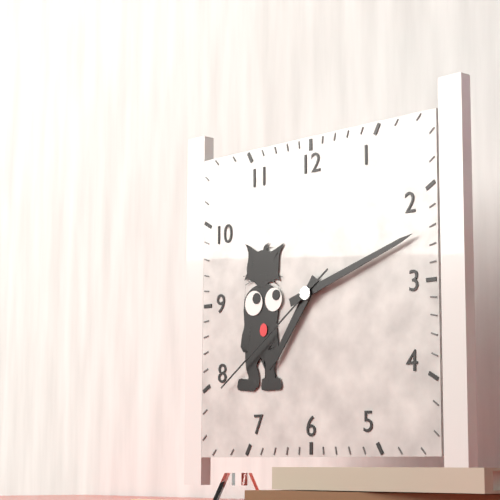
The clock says 7,12,39
